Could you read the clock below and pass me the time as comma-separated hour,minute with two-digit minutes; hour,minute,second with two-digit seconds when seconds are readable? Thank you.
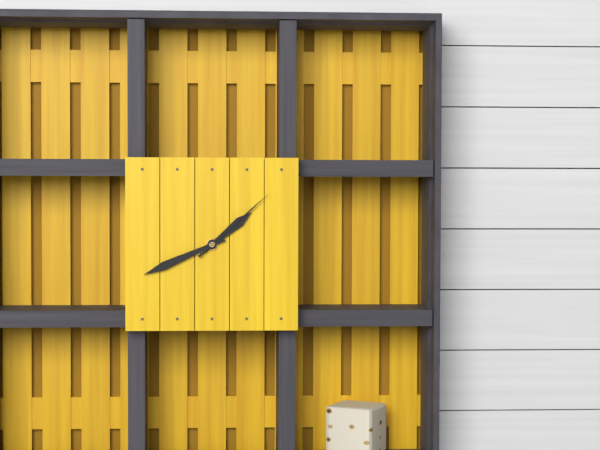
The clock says 1,41,08
